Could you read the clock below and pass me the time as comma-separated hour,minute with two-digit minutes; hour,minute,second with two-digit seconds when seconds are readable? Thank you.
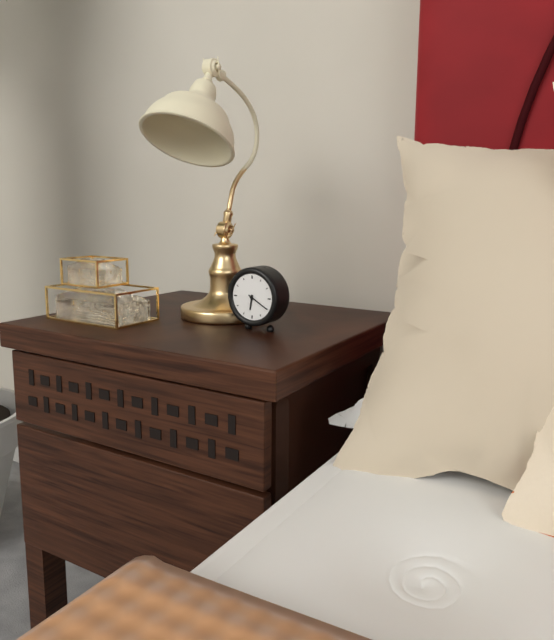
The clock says 6,20
